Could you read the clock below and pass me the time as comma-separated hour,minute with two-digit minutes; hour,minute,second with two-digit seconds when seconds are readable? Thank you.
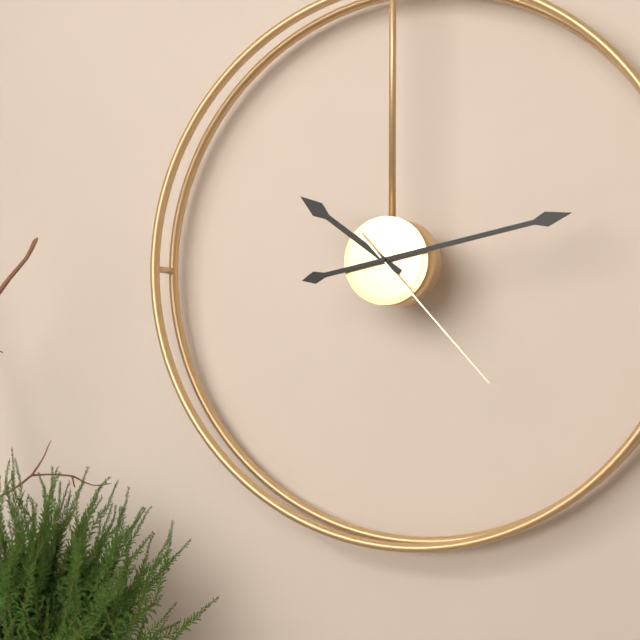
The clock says 10,13,23
